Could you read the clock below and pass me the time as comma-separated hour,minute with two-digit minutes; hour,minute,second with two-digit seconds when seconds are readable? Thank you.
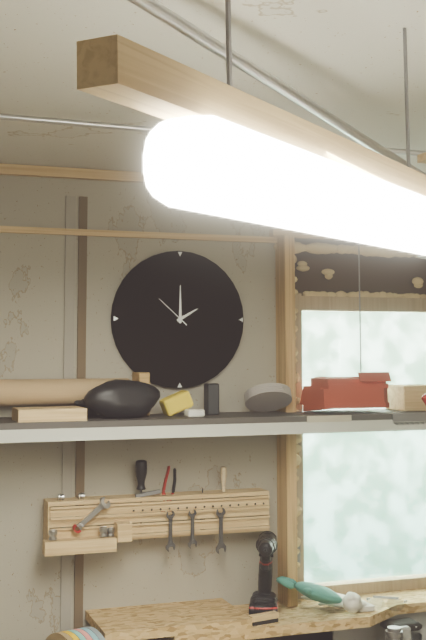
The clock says 2,00
